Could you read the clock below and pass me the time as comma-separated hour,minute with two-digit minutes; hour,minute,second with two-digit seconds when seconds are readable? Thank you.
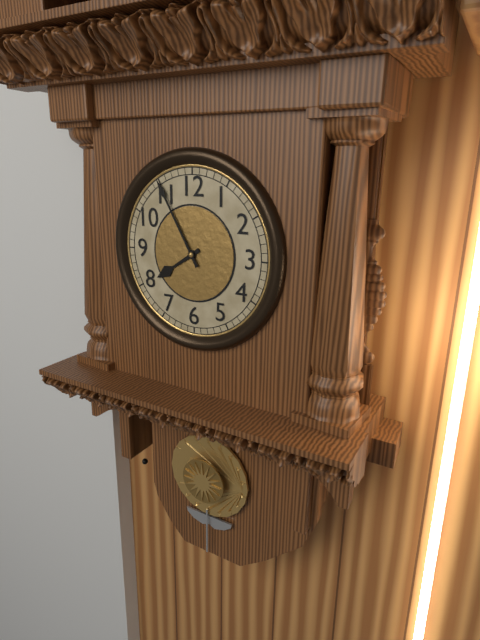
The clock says 7,55
